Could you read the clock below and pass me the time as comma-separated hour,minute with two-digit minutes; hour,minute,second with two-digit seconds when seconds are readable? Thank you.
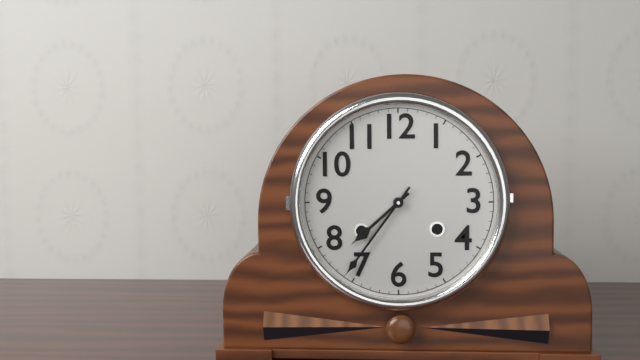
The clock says 7,36
